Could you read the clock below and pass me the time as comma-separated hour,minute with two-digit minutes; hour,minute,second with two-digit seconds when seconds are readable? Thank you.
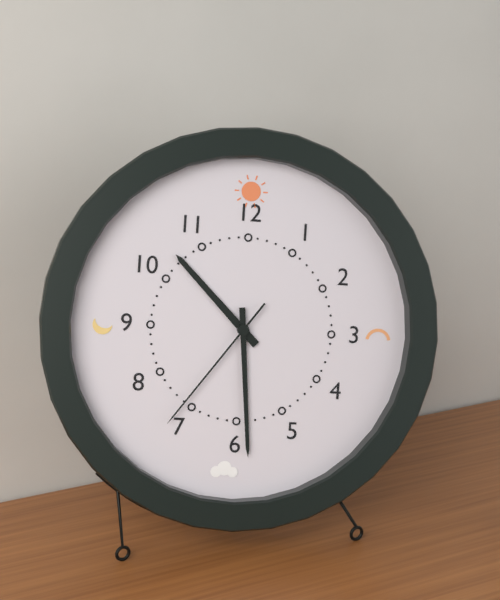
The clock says 10,29,36
